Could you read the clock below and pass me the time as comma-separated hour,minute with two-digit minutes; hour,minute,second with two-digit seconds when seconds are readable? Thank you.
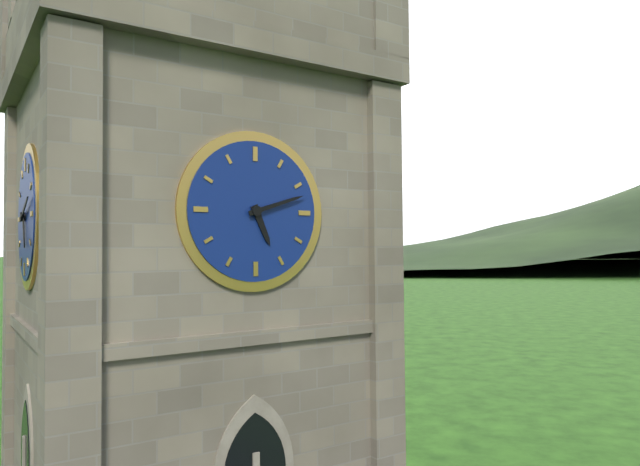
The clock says 5,12
